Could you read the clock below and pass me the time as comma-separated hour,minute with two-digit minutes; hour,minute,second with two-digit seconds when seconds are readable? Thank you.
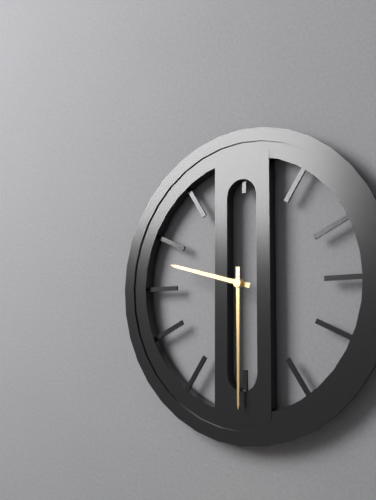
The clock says 9,30
